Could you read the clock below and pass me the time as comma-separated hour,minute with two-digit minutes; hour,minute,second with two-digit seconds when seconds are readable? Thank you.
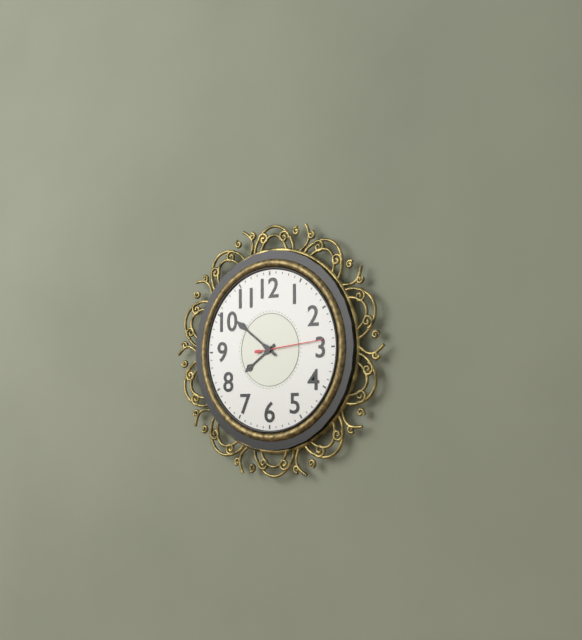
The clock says 7,51,14
